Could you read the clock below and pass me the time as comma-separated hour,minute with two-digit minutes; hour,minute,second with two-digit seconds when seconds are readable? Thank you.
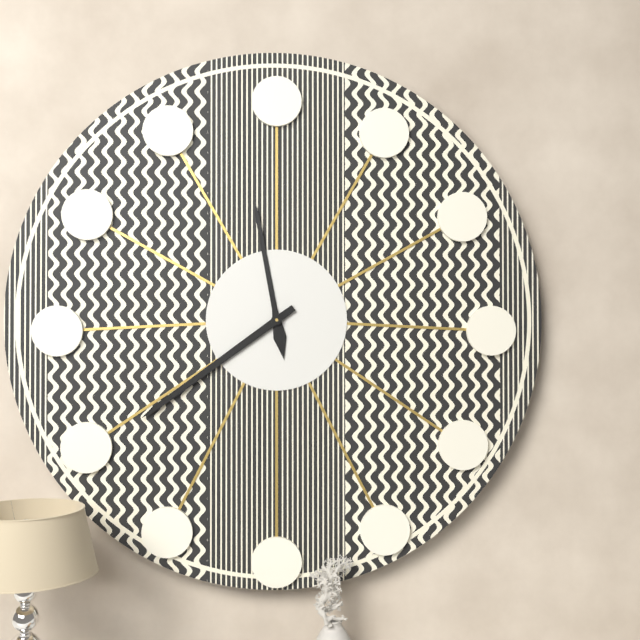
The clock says 11,39
